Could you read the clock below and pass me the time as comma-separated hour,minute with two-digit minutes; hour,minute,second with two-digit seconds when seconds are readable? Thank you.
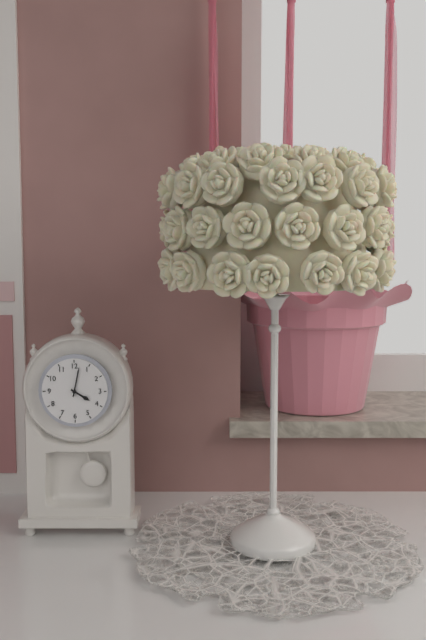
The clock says 4,02
